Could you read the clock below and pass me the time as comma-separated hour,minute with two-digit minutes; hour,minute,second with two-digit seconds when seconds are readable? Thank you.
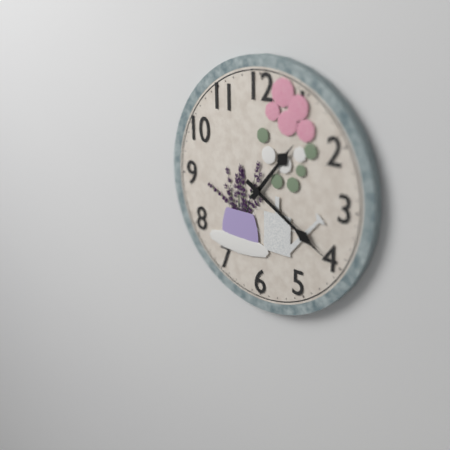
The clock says 1,20
